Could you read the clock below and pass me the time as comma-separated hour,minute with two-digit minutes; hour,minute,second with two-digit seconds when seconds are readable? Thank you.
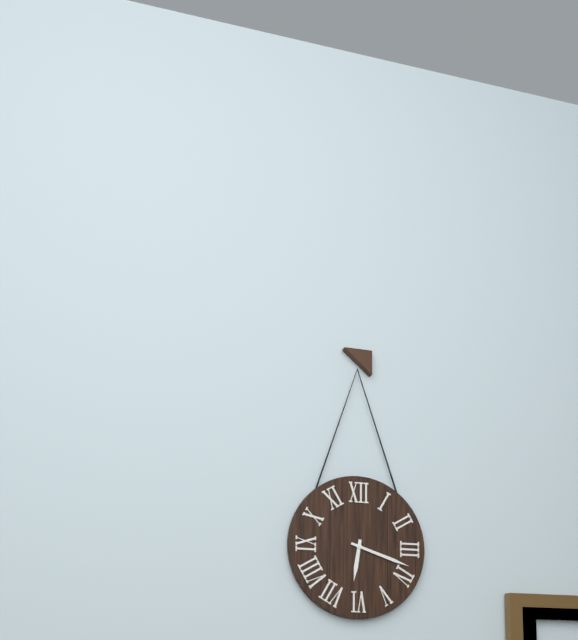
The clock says 6,18
